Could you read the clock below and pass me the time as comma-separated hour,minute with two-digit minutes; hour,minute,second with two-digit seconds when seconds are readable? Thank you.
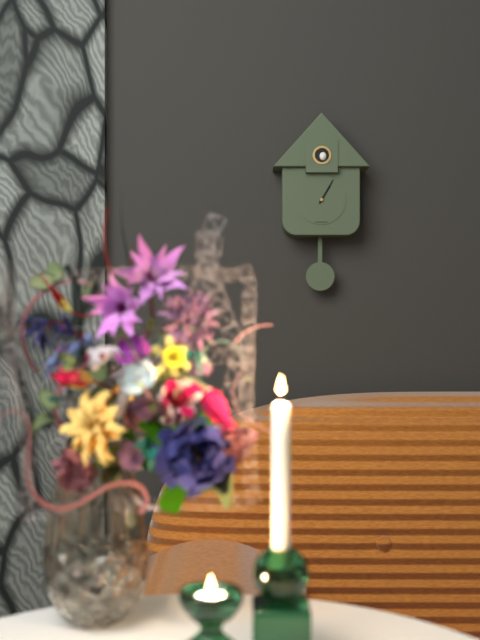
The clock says 1,05
